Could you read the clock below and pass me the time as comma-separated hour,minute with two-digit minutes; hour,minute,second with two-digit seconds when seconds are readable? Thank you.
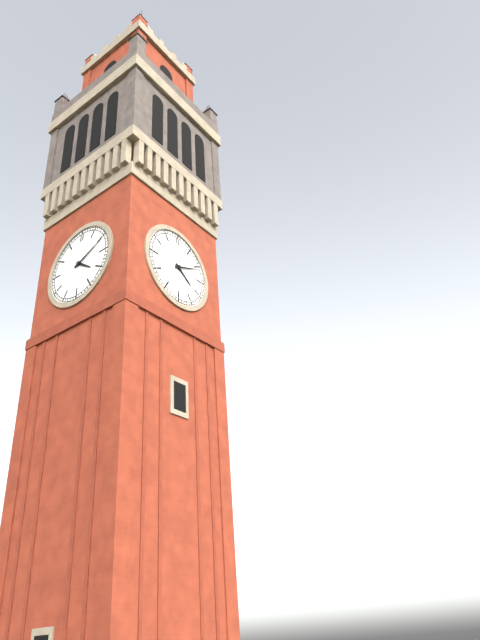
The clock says 4,11
